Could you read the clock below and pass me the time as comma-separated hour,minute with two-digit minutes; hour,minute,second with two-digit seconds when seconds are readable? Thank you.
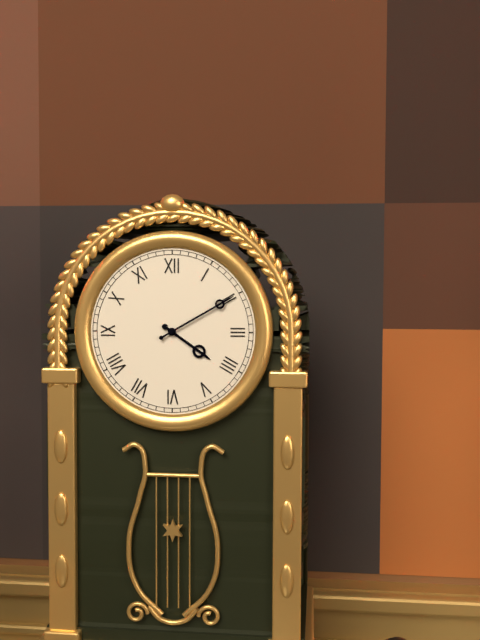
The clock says 4,10
